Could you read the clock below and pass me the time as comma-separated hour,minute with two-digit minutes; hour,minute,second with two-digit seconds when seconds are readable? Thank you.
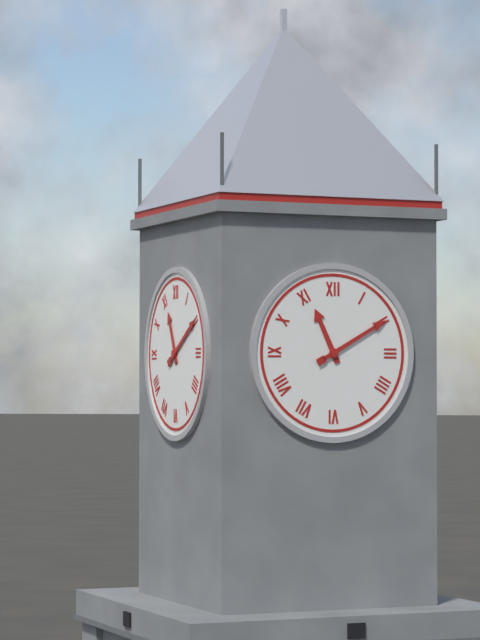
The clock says 11,10
